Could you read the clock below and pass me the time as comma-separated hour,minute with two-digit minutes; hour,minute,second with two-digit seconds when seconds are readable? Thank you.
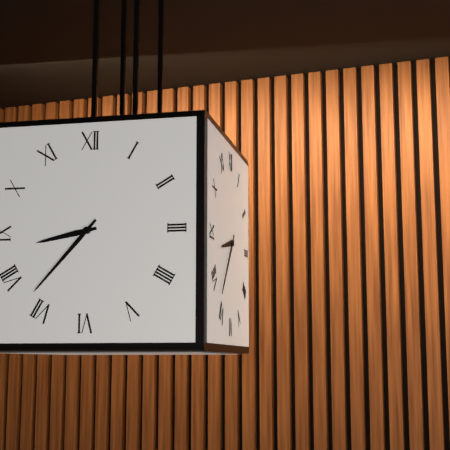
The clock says 8,37
